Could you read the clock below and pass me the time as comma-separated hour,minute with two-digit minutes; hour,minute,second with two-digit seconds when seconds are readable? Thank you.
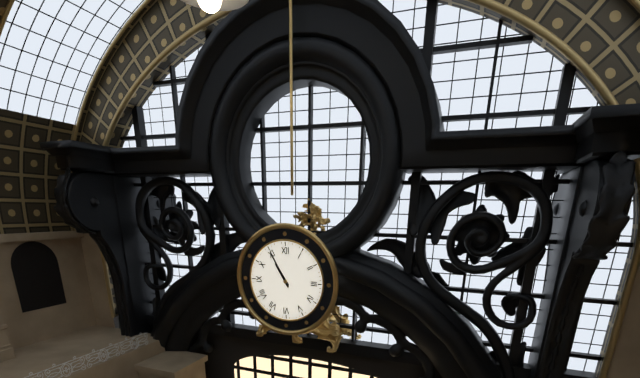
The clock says 10,55
